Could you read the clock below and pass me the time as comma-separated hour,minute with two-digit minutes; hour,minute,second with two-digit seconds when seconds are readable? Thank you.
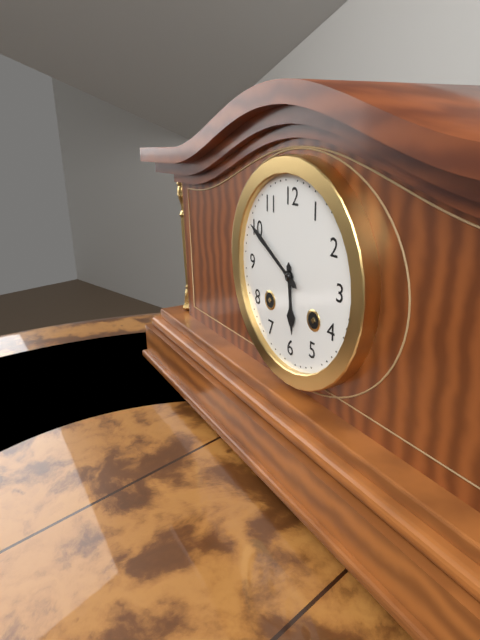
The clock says 5,50
